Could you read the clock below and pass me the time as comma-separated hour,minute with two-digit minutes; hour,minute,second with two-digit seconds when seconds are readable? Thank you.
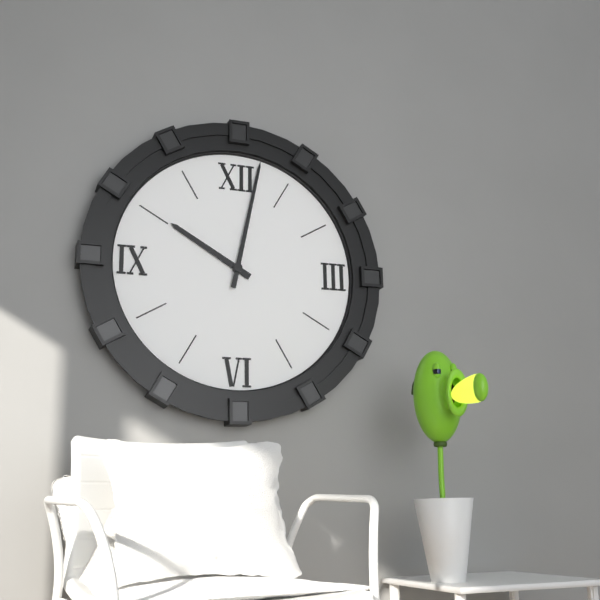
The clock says 10,02
